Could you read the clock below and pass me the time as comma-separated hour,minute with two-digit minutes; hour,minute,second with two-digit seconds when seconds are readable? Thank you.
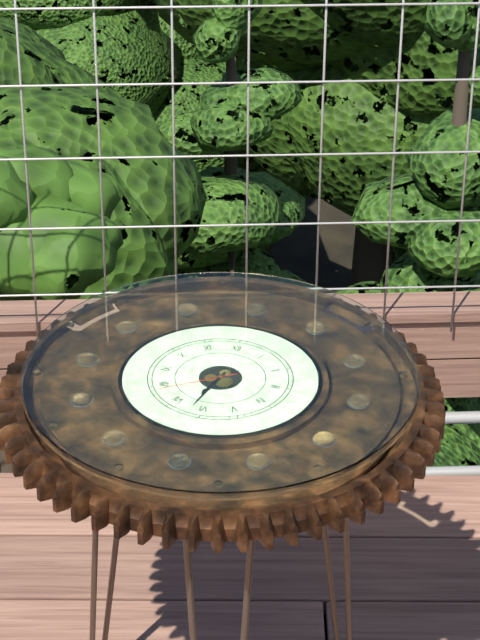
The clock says 6,32,39
